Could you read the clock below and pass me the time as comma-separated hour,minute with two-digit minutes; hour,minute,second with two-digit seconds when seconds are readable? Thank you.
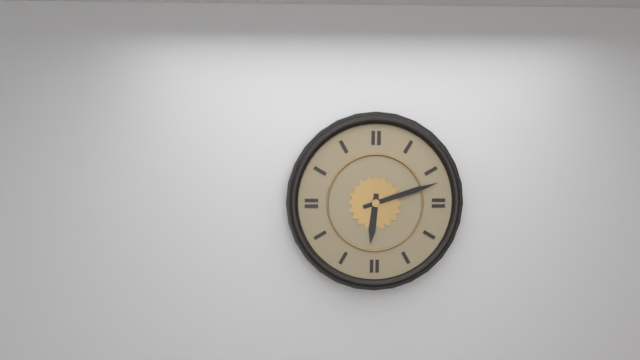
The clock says 6,12
